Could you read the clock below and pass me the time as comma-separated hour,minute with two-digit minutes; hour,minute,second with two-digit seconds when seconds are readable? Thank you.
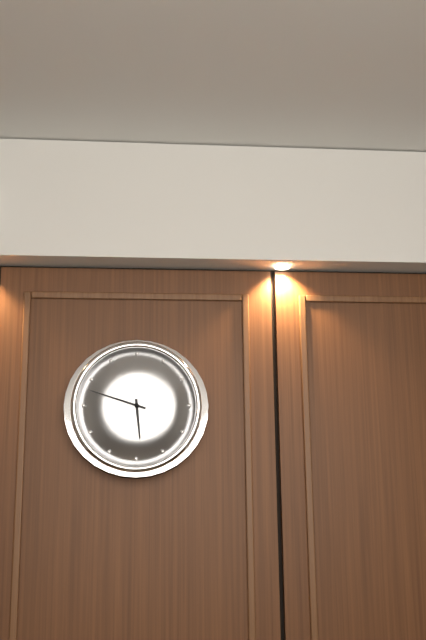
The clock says 5,48
